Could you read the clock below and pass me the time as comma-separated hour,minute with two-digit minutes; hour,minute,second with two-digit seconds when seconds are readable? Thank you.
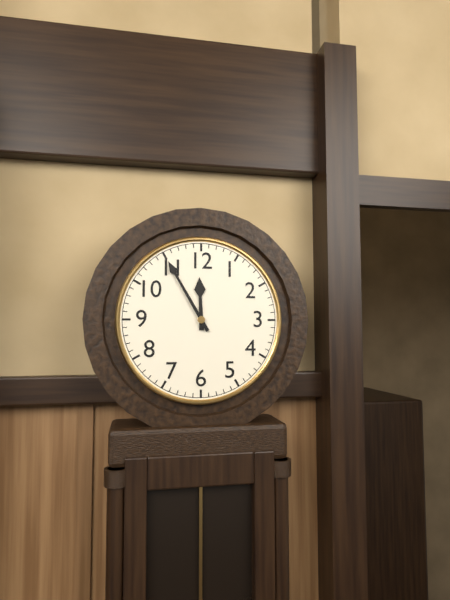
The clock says 11,55
